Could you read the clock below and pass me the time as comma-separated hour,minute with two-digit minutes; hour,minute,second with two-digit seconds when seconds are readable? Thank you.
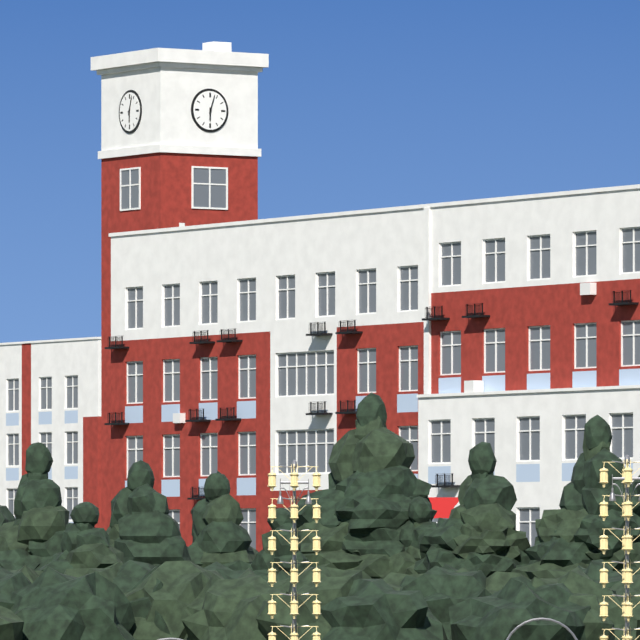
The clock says 6,03
